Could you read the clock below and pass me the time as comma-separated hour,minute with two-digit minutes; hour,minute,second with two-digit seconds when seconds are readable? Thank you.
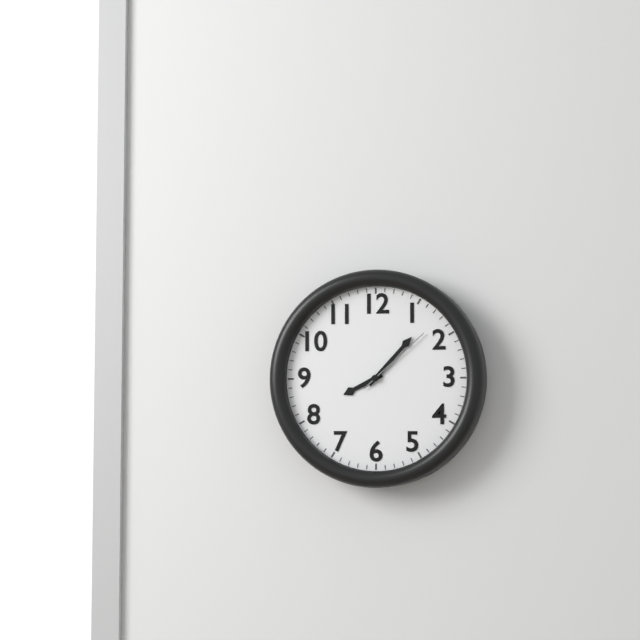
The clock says 8,07,08
